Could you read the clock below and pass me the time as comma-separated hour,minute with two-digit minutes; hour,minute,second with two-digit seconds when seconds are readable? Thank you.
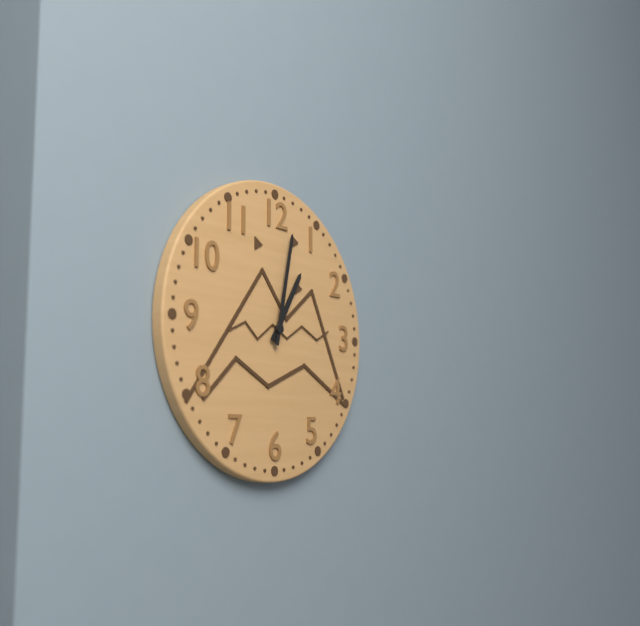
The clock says 1,02
